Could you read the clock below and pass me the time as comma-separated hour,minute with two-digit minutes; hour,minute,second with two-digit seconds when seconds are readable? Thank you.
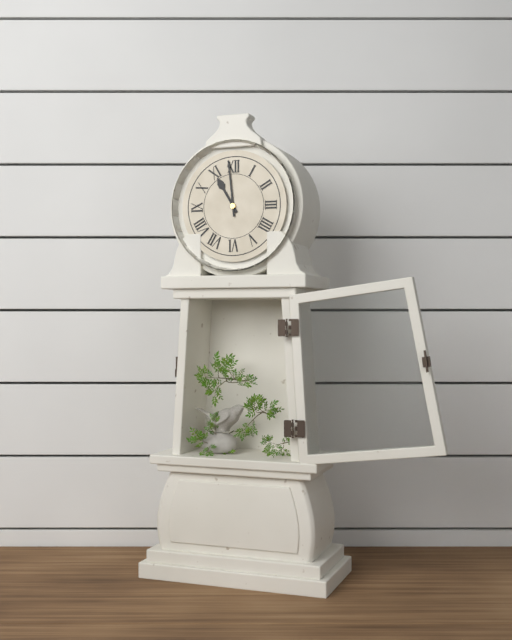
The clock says 10,59
